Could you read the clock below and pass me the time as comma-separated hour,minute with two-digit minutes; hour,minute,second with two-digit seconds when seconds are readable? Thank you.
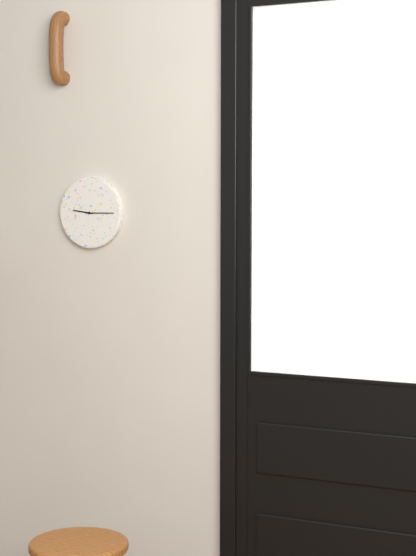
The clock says 9,15
